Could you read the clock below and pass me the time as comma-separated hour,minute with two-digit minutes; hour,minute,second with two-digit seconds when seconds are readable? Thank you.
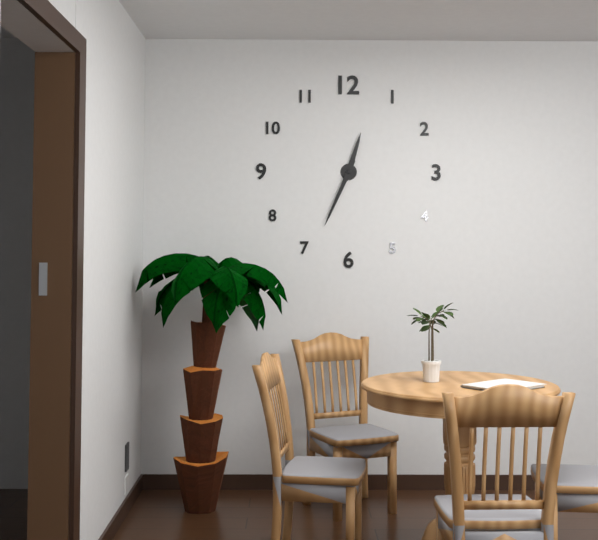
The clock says 12,34
